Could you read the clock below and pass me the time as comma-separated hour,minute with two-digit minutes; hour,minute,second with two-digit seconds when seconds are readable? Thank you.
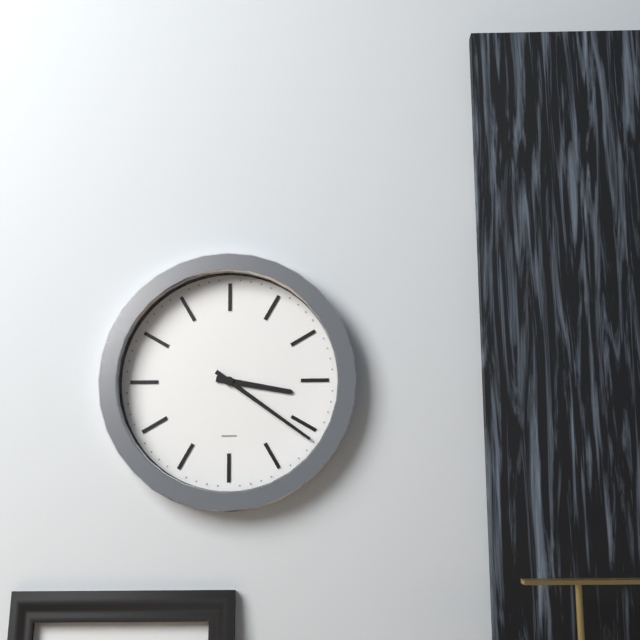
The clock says 3,21
